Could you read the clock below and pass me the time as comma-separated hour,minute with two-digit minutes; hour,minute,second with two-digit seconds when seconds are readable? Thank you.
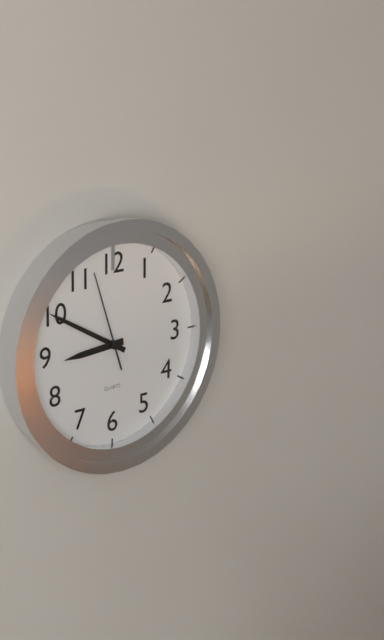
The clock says 8,50,57
